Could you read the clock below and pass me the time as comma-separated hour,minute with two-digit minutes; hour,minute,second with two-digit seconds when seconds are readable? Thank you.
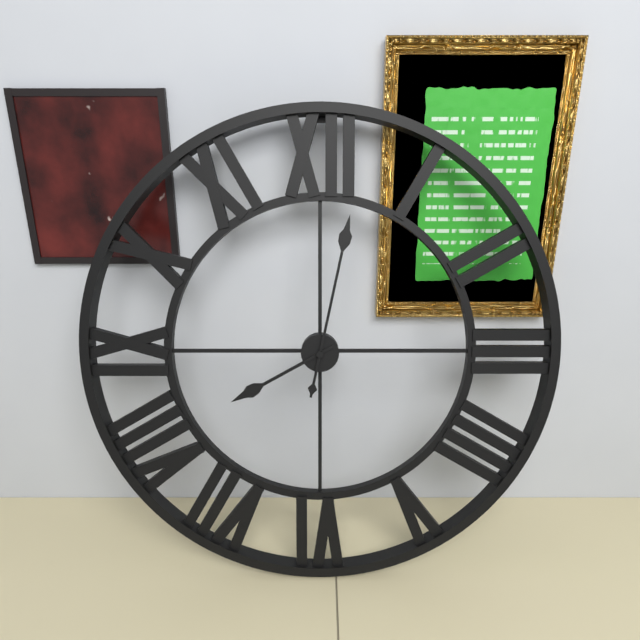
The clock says 8,02
